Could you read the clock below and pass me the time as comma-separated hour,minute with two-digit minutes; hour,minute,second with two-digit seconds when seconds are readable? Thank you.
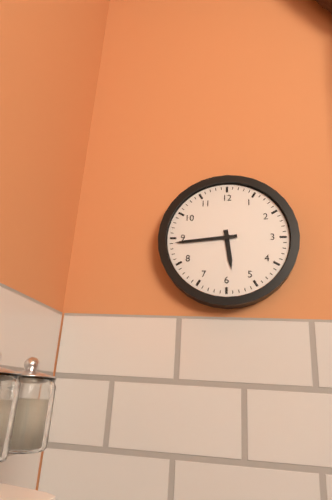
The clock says 5,44
